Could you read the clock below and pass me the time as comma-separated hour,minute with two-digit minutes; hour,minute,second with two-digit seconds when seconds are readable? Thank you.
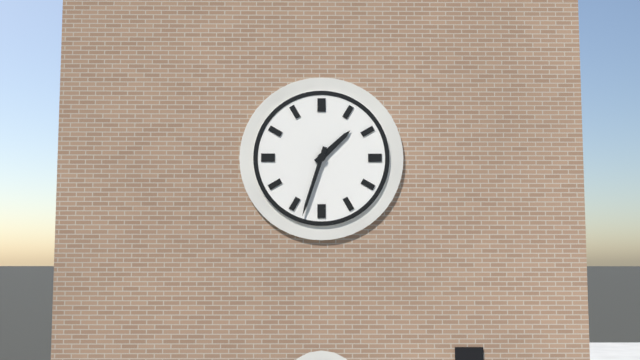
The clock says 1,33
